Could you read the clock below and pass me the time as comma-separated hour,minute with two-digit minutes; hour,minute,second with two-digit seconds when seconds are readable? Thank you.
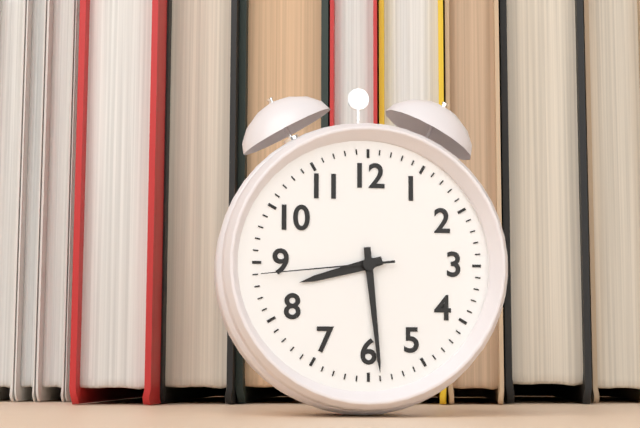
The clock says 8,29,44
